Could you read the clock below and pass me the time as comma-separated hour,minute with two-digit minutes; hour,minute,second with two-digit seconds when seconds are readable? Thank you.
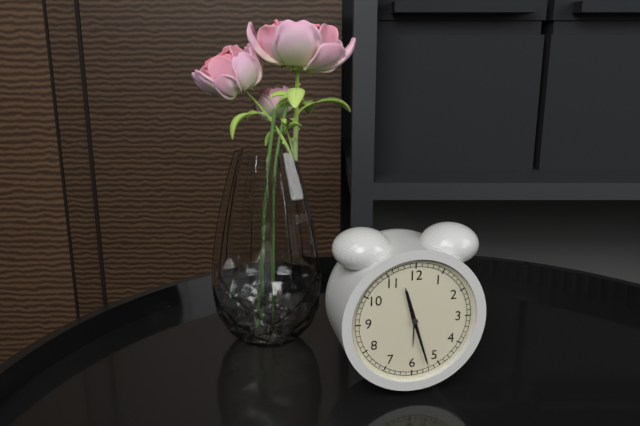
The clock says 11,27
